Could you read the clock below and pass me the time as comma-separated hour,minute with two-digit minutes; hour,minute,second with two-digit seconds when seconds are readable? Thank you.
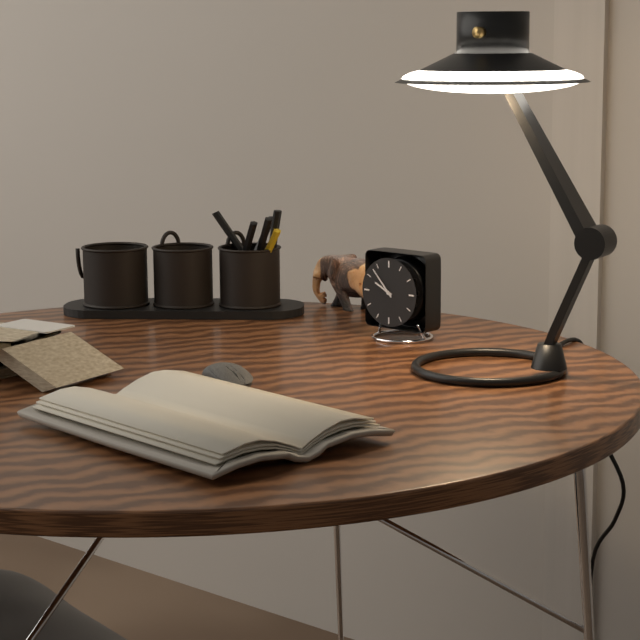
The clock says 9,53
